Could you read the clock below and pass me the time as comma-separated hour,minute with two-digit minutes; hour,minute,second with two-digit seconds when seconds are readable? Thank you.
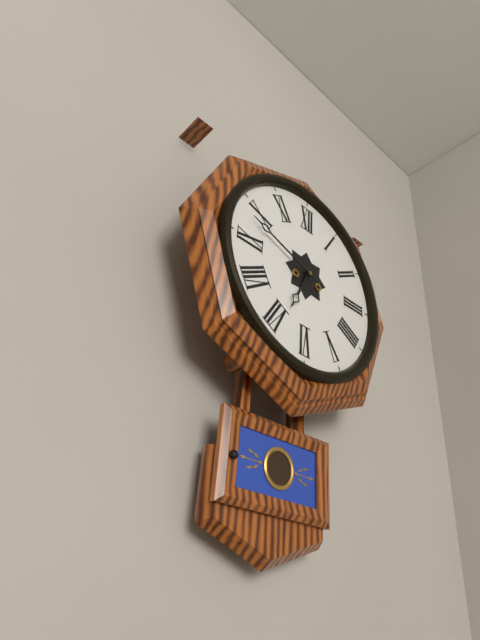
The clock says 6,48
